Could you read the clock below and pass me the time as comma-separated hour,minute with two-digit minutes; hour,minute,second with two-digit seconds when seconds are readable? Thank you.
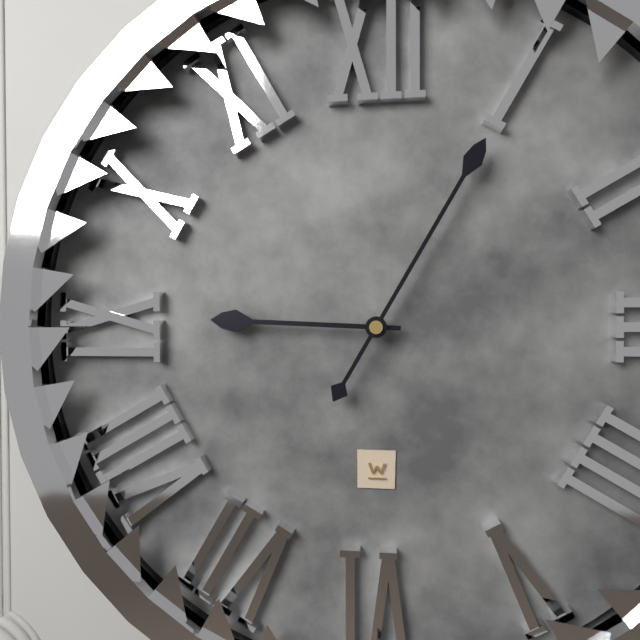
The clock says 9,05
